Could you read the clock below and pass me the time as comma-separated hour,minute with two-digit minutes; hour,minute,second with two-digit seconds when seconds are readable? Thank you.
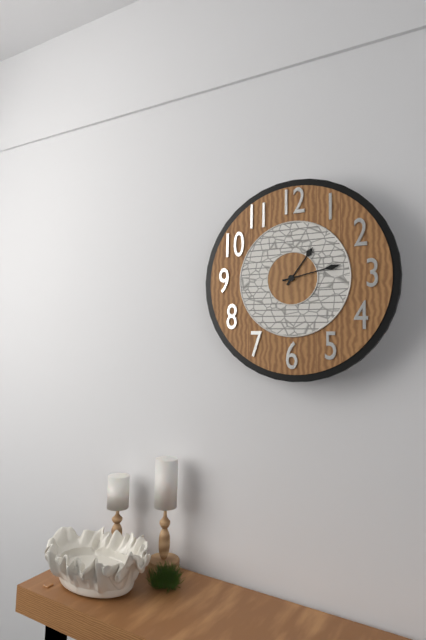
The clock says 1,13
